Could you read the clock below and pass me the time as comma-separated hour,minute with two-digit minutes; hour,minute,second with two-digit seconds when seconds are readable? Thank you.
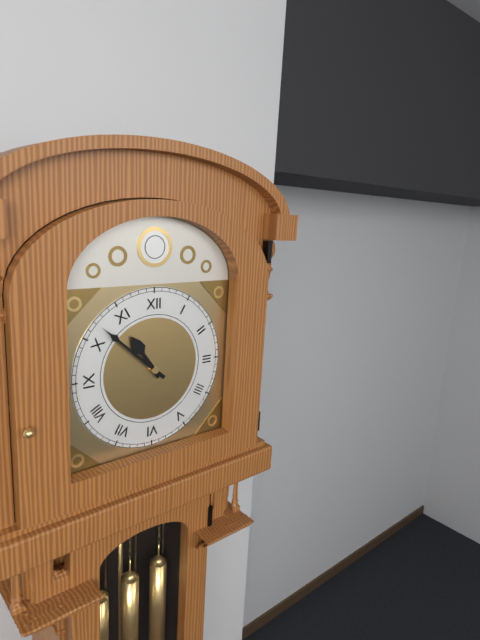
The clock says 10,52
